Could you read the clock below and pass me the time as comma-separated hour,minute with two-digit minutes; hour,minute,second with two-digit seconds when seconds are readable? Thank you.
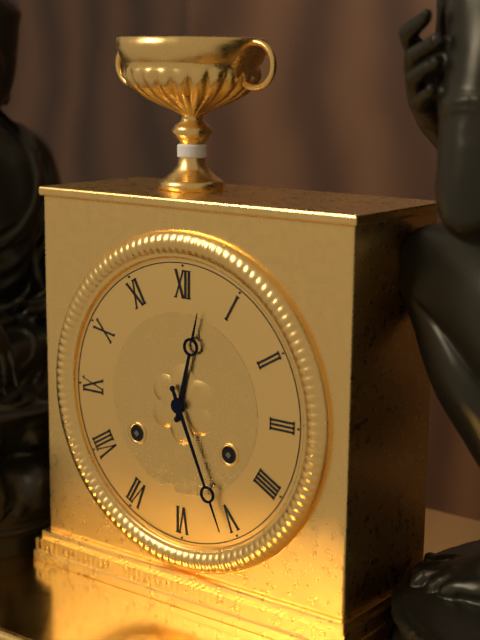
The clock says 12,26
